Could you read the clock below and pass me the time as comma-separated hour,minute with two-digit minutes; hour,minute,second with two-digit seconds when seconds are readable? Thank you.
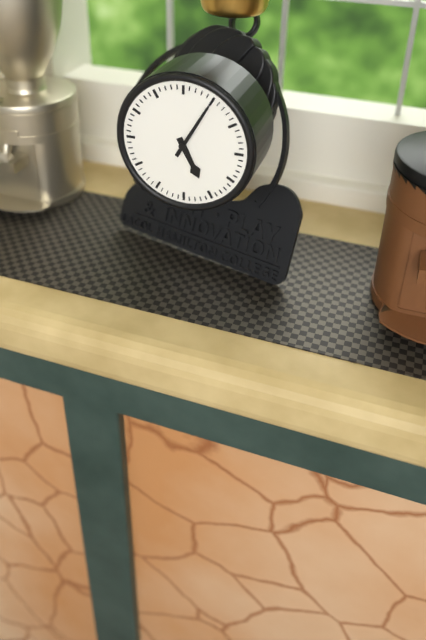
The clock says 5,05
